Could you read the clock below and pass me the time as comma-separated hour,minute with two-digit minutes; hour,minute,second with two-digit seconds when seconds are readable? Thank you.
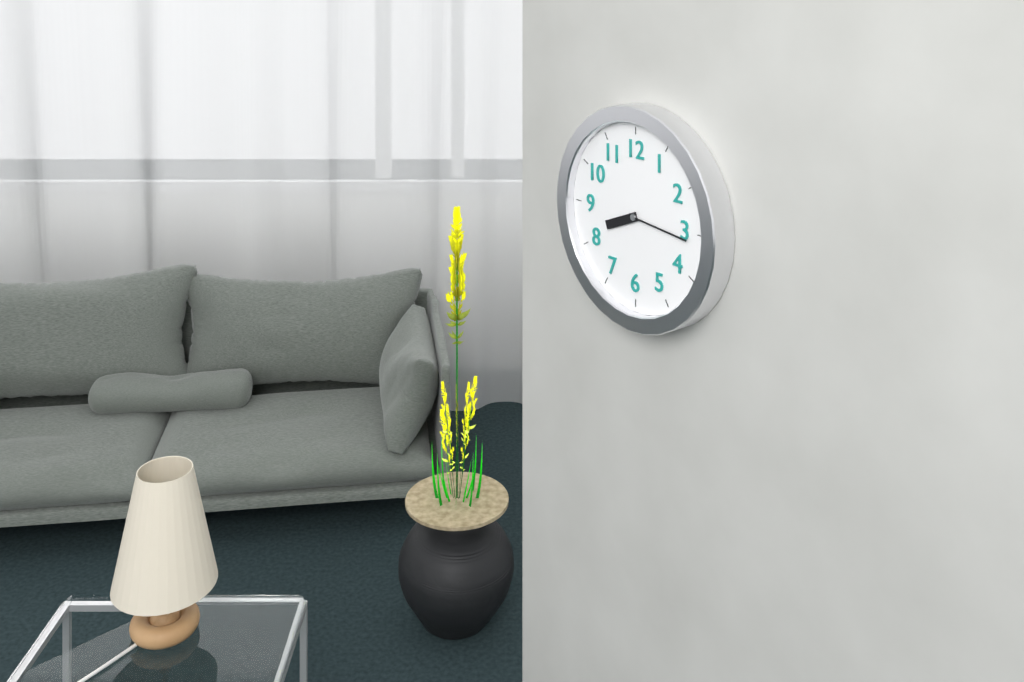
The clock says 8,16
